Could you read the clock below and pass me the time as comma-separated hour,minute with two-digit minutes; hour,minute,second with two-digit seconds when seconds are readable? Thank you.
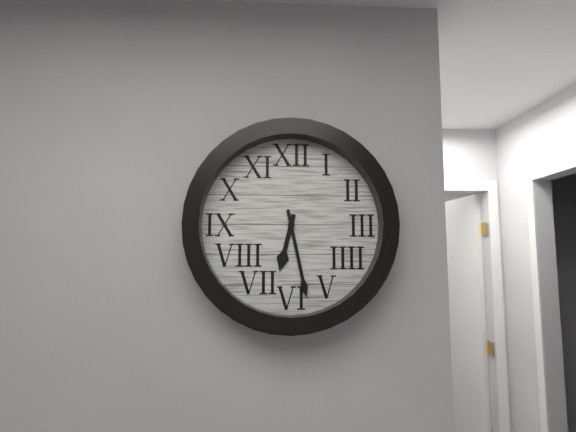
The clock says 6,28
